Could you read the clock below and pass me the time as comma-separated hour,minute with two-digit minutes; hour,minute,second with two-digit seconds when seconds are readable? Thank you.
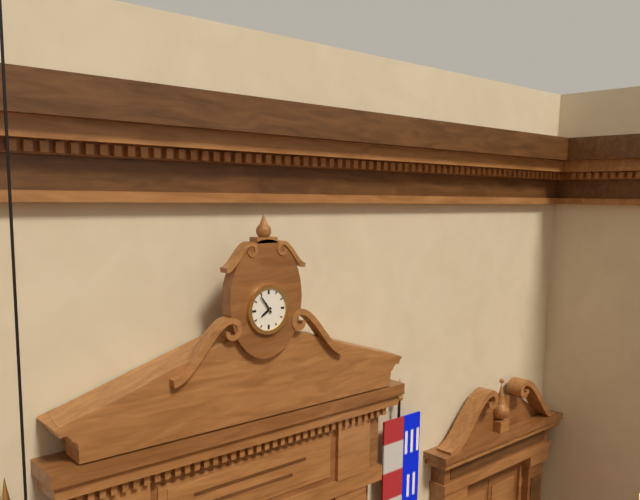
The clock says 7,54
